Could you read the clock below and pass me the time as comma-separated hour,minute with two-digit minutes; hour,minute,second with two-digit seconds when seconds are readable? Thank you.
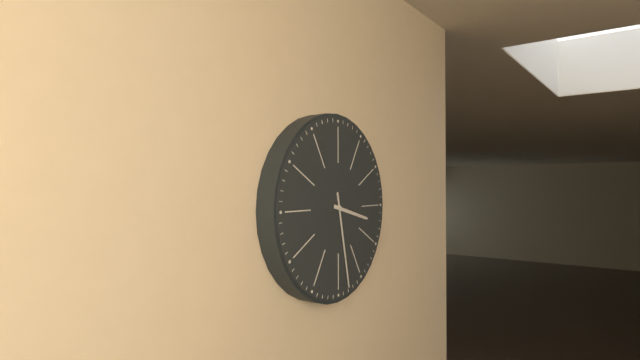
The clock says 3,28
